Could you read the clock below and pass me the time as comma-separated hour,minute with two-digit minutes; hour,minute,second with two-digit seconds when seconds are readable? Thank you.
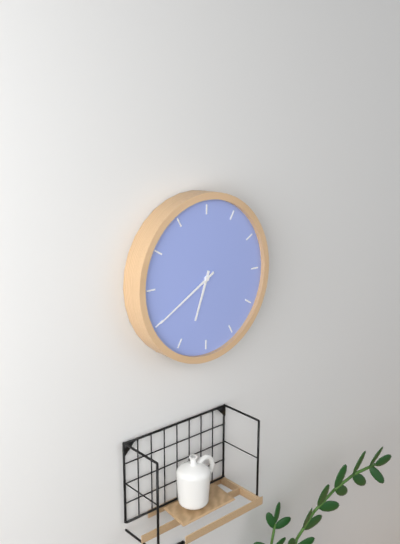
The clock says 6,40
